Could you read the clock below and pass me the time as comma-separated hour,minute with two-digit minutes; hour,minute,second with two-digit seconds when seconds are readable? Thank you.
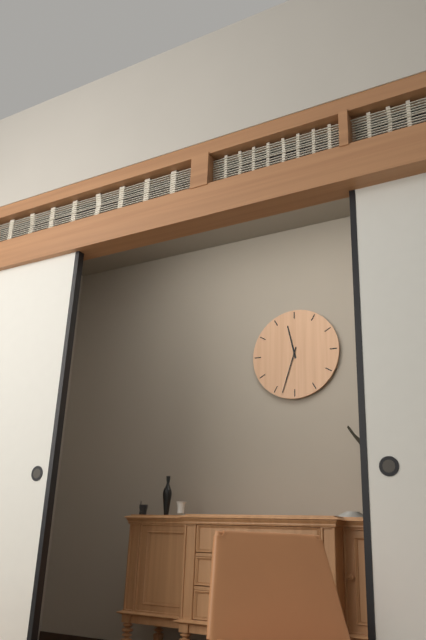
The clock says 11,33
